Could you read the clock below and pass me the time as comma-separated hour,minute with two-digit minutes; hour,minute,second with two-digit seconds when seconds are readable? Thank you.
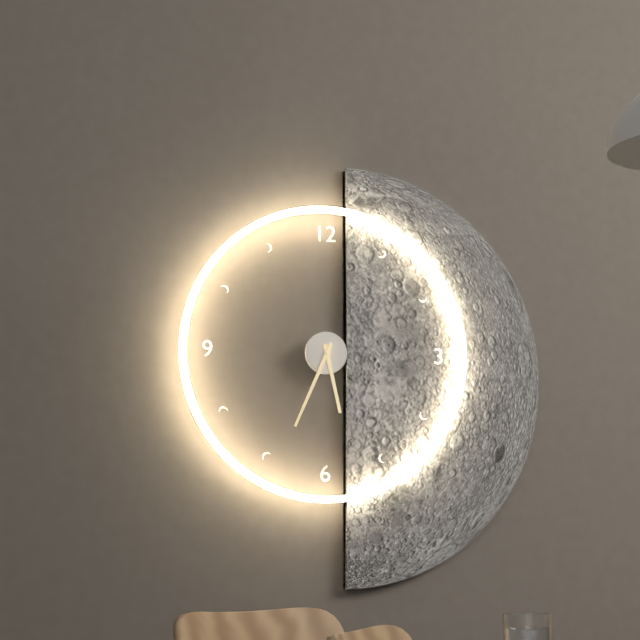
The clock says 5,34
